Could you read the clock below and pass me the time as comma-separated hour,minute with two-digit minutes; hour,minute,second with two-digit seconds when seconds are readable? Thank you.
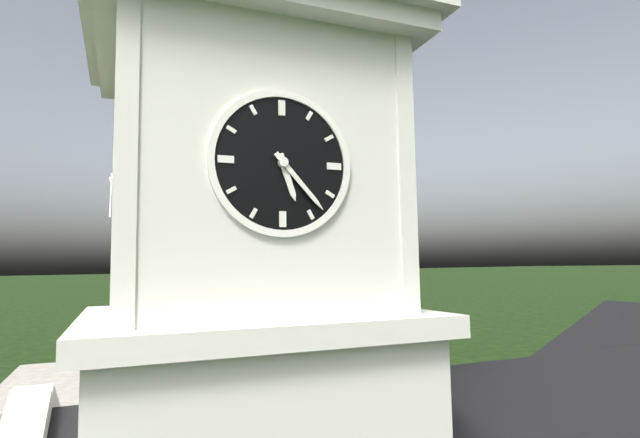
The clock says 5,23
